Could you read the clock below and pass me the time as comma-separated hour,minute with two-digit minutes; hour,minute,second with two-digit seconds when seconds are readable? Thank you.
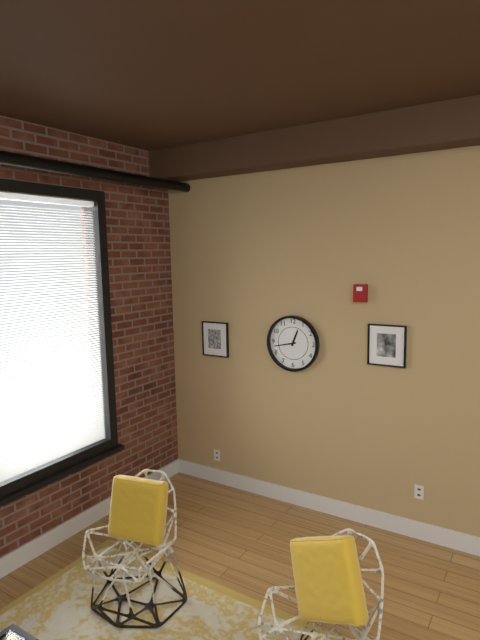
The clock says 12,43
